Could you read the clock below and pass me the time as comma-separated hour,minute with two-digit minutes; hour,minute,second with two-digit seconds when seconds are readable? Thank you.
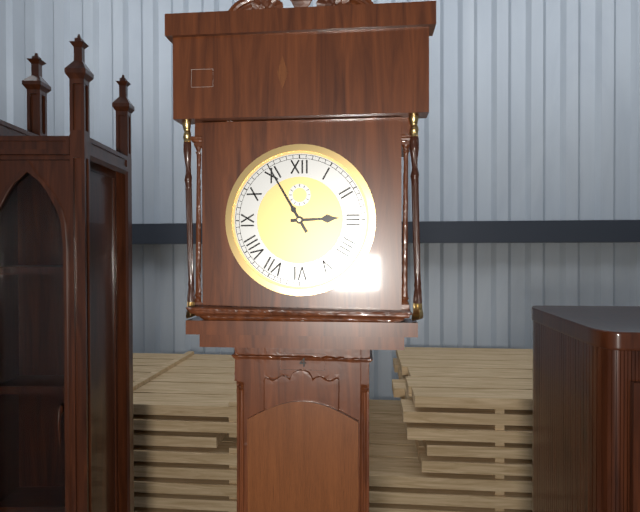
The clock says 2,55
